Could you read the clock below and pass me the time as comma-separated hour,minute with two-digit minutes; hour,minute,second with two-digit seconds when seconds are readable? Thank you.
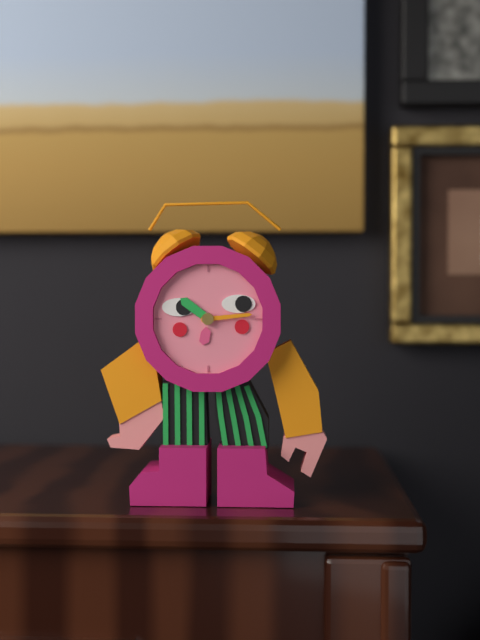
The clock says 10,14
